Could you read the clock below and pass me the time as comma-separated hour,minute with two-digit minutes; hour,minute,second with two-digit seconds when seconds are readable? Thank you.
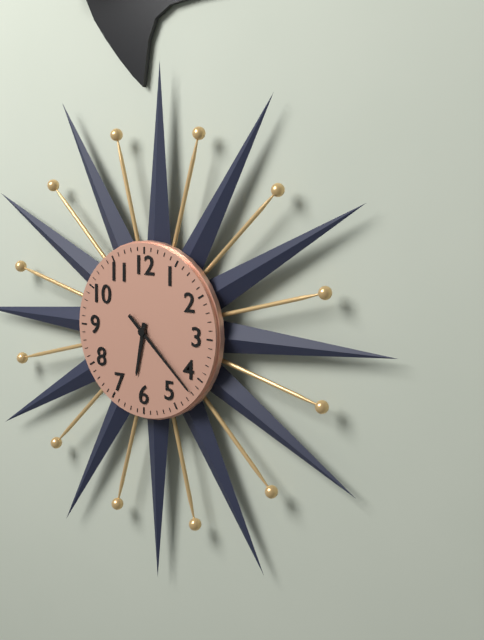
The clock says 6,22
